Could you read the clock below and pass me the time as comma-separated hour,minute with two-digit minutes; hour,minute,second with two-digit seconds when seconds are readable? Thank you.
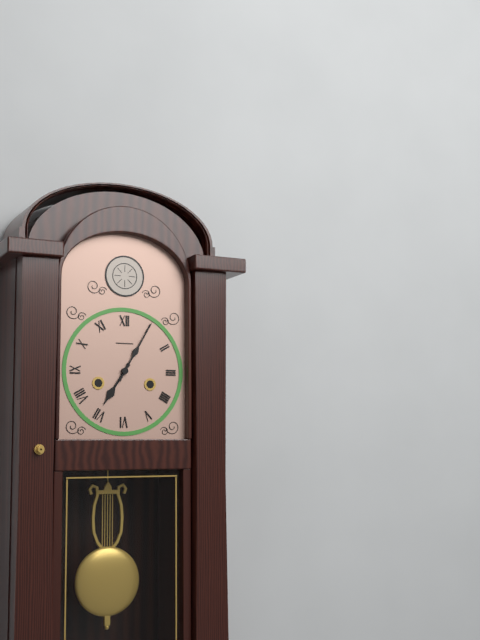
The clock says 7,05
